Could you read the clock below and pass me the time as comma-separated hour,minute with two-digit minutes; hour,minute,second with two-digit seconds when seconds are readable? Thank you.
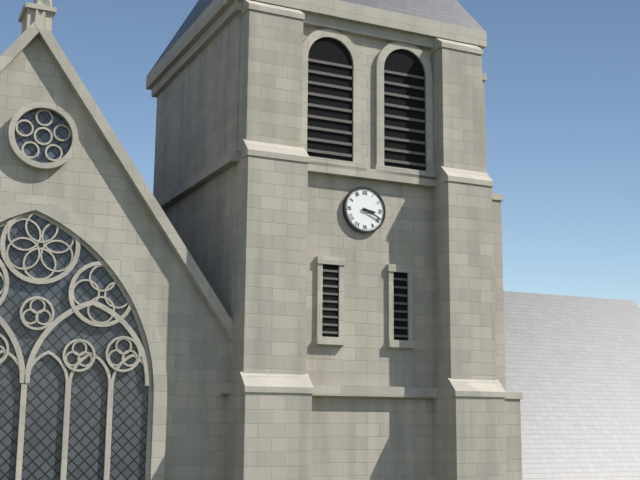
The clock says 3,19
